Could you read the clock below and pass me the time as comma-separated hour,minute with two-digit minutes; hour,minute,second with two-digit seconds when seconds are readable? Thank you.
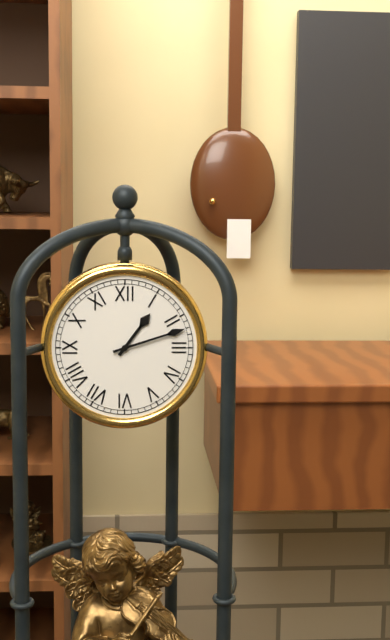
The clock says 1,12
